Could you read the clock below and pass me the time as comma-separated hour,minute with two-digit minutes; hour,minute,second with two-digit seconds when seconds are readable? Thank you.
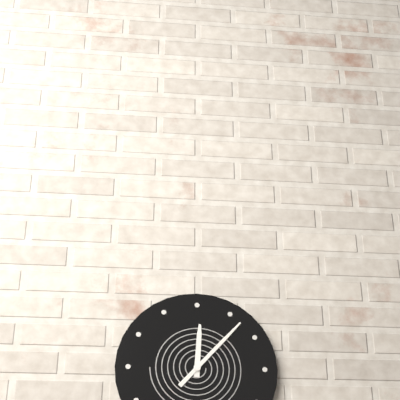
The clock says 12,07
